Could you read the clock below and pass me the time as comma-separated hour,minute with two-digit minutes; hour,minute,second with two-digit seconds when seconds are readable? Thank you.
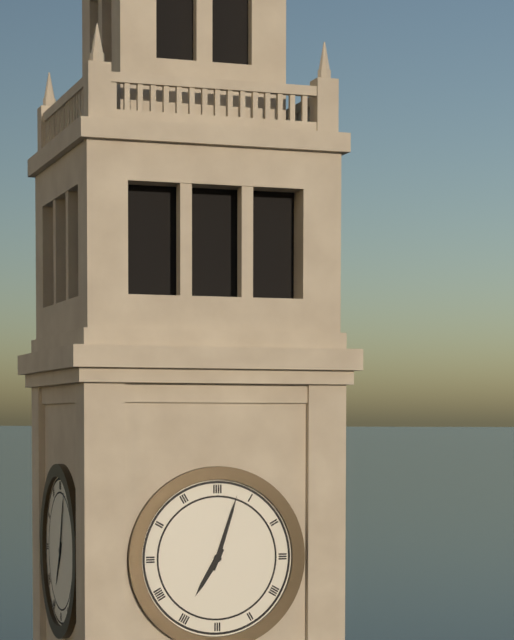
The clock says 7,03
